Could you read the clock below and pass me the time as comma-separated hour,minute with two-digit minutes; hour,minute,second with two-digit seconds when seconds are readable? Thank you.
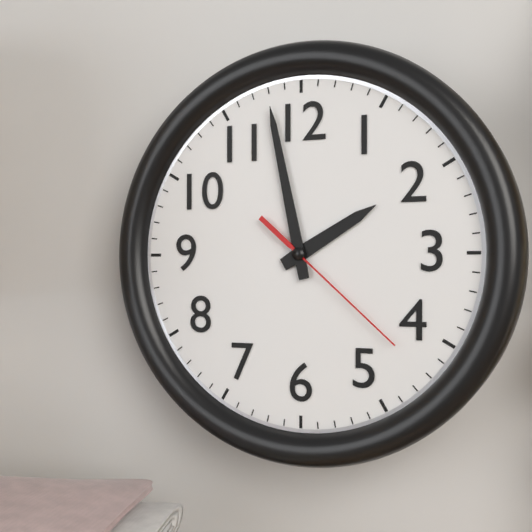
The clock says 1,58,22
